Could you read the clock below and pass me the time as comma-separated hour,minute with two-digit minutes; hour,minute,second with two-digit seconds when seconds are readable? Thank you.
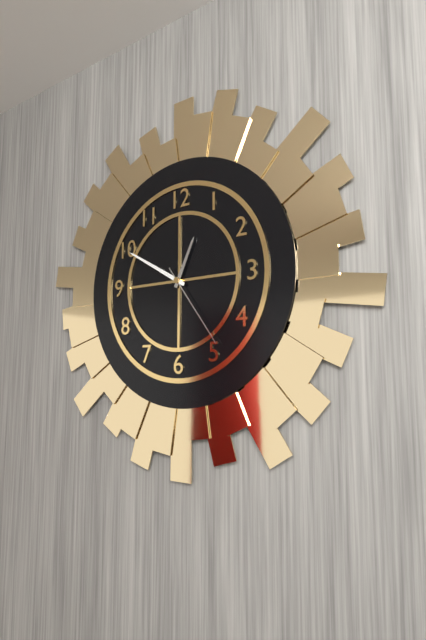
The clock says 12,50,24
